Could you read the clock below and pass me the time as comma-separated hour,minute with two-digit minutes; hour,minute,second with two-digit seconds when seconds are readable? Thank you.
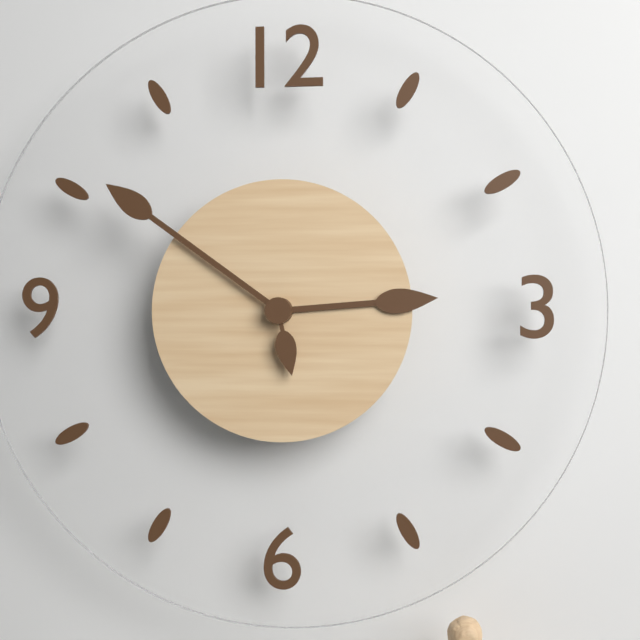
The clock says 2,51,28
